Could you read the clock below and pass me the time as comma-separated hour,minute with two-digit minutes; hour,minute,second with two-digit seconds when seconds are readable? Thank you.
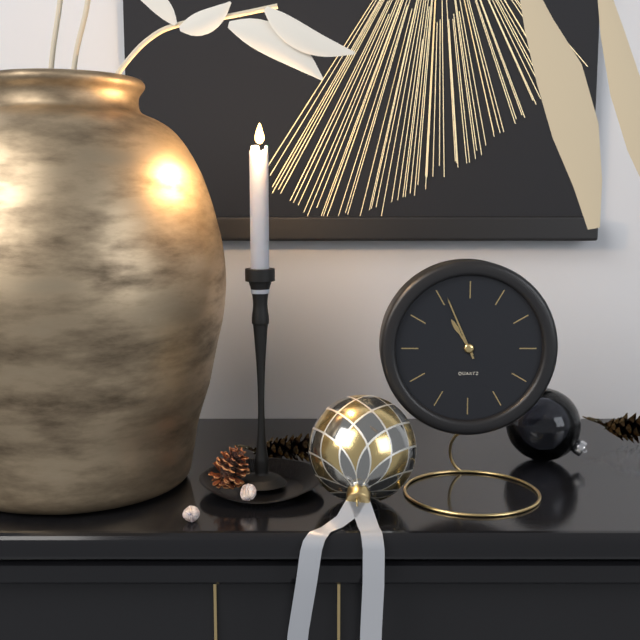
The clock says 10,56
